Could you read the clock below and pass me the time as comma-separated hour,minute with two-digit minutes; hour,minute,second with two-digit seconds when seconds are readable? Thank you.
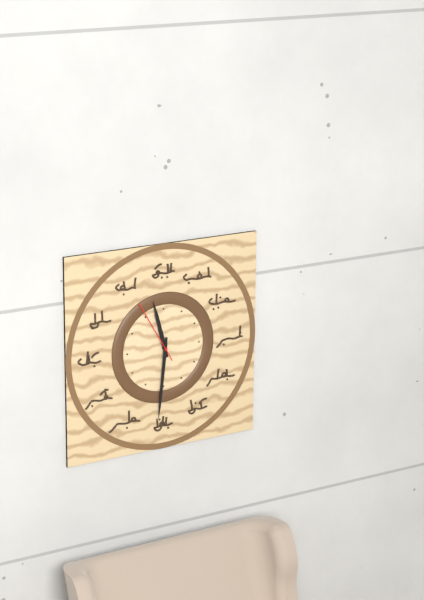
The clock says 11,31,55
